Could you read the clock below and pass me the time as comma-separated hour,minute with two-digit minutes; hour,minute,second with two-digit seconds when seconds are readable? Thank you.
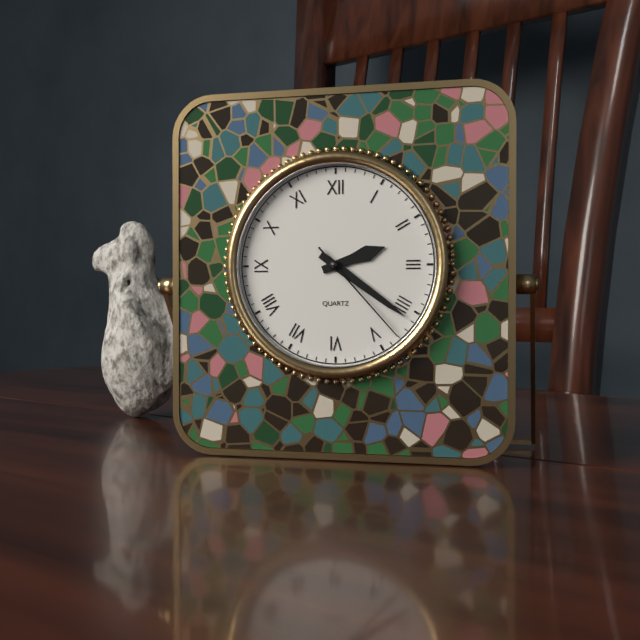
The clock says 2,21,23
